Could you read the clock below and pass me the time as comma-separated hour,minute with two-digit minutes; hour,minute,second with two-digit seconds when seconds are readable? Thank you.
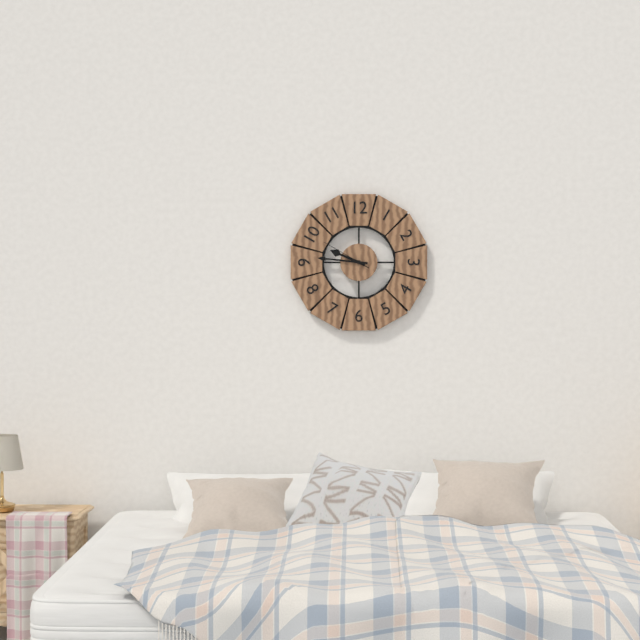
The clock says 9,46,50
